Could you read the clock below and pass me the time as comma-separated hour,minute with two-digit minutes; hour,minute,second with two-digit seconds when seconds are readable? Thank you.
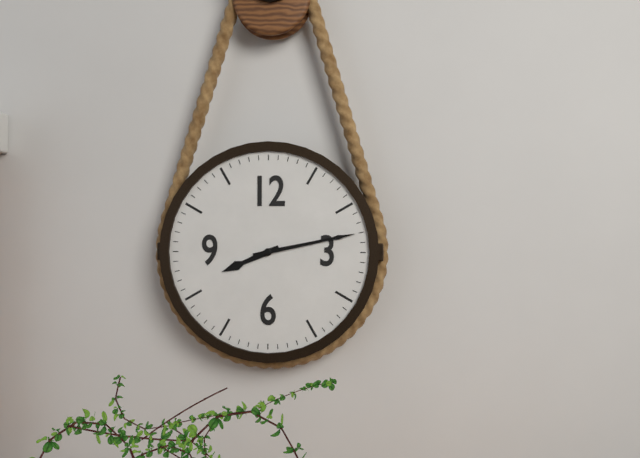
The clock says 8,13
